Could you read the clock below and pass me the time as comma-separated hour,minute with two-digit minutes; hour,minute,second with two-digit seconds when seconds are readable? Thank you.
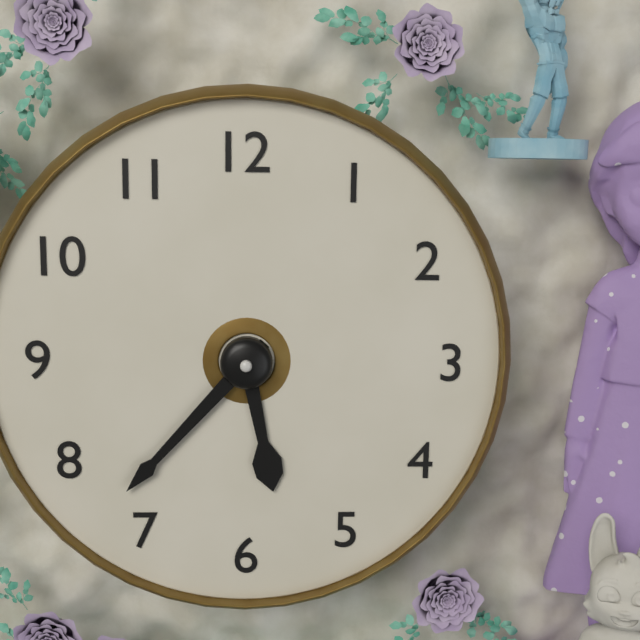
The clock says 5,37
